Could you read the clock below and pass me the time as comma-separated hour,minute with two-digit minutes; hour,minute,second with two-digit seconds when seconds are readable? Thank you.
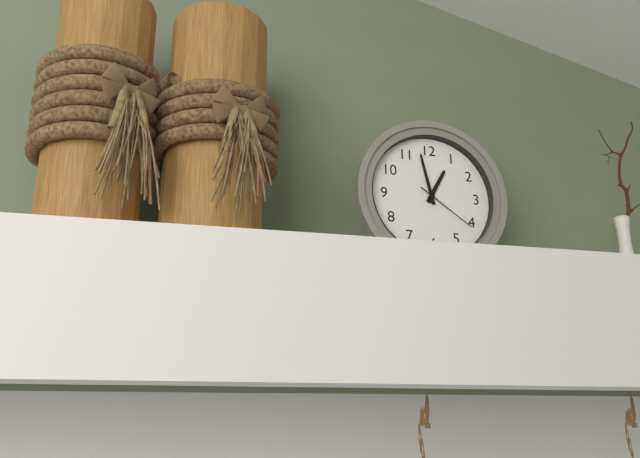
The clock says 12,58,21
